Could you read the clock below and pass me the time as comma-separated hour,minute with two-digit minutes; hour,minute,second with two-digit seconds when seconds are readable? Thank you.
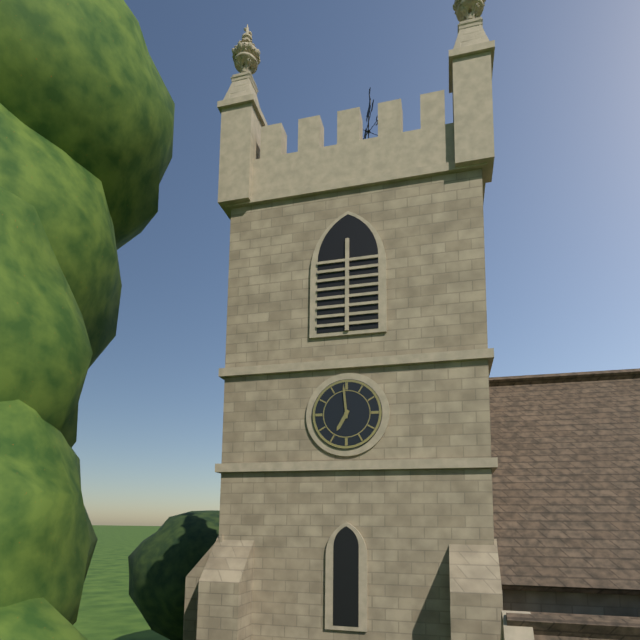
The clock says 6,59
